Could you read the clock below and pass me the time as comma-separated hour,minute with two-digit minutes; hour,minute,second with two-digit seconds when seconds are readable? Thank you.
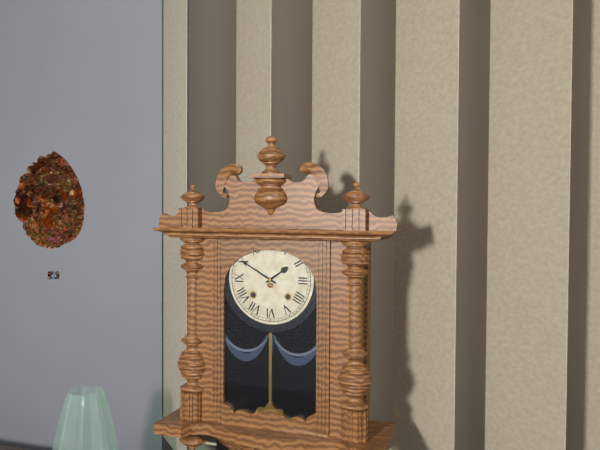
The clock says 1,50
